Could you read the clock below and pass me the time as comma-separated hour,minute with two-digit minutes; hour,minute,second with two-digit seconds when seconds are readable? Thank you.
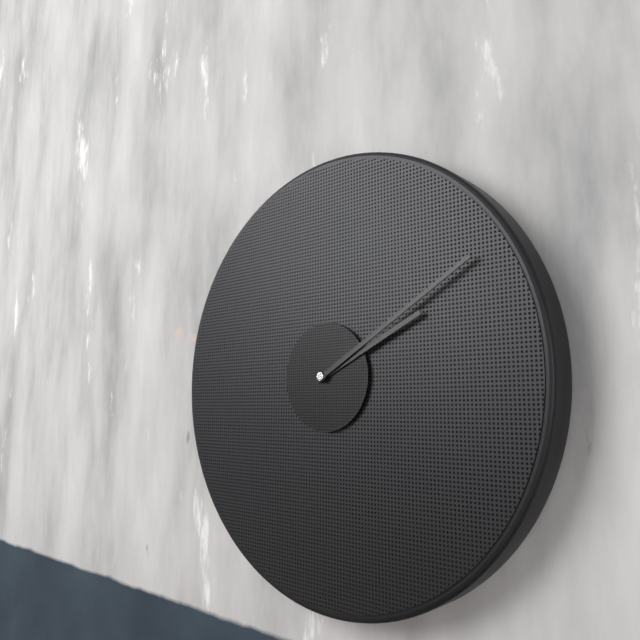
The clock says 2,10
